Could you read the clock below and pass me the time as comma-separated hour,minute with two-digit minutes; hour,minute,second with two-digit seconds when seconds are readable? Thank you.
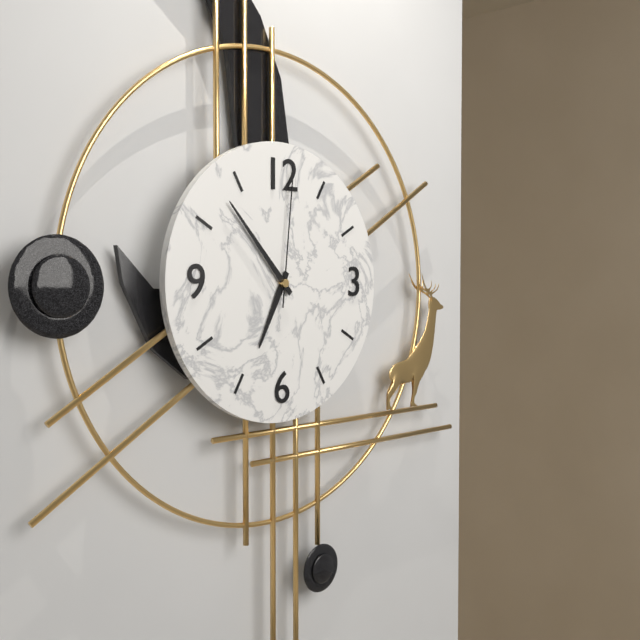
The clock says 6,53,01
